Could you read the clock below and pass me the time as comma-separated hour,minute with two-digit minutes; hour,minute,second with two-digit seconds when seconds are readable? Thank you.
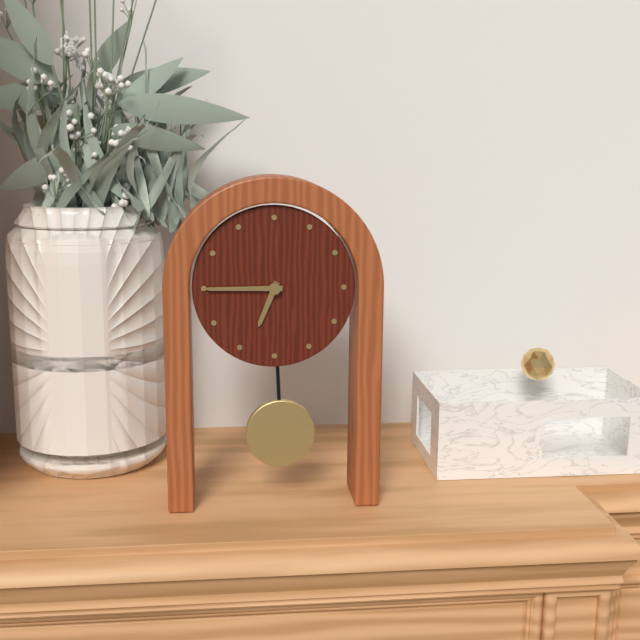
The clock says 6,45
